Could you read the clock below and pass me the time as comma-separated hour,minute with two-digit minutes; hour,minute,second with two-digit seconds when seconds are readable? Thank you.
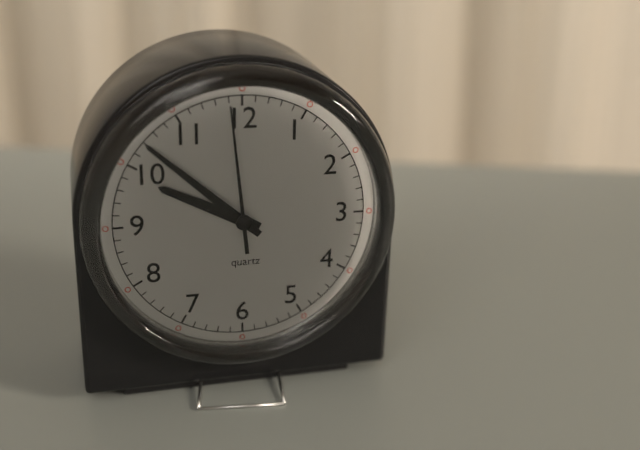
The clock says 9,52,59
